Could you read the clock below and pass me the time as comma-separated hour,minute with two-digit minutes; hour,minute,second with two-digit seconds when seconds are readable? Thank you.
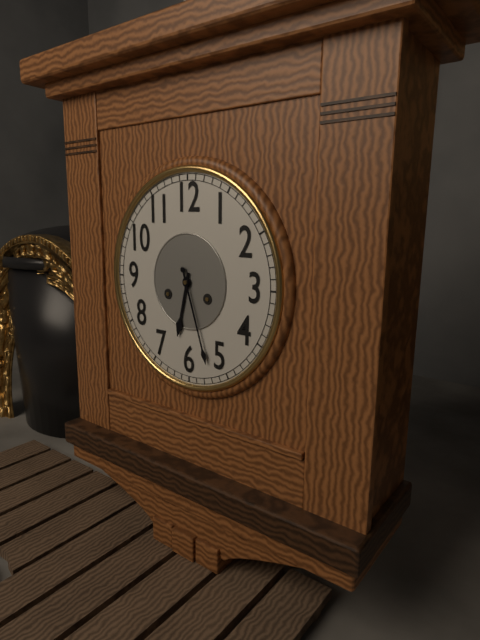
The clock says 6,27
